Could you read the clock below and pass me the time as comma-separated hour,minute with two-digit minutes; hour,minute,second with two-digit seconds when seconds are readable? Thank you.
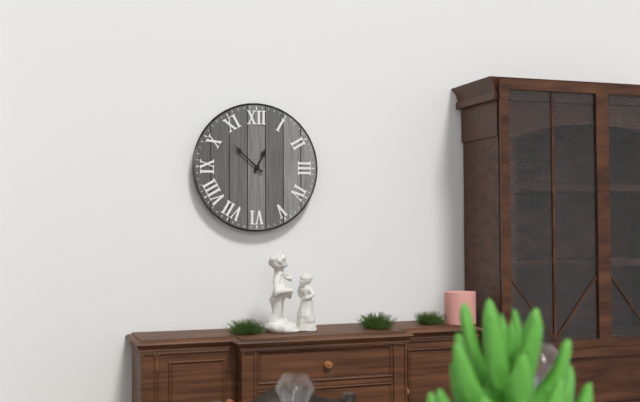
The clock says 12,52
